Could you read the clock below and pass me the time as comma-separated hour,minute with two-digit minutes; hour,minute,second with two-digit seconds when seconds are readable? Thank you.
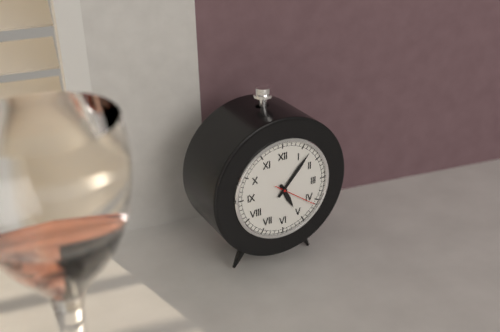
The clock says 5,07
